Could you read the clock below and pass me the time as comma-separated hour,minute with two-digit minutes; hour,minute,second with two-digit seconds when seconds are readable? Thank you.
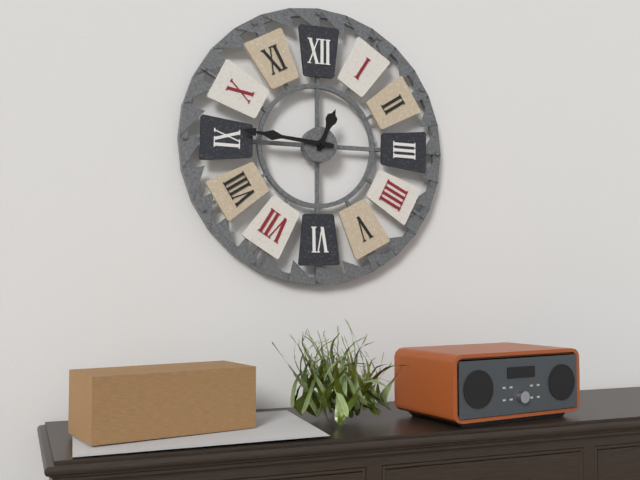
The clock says 12,46
